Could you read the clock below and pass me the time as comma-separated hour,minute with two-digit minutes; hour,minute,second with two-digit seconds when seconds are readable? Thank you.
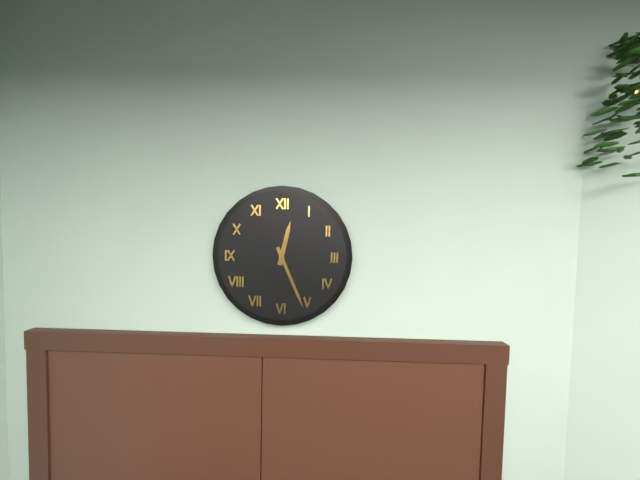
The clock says 12,26
